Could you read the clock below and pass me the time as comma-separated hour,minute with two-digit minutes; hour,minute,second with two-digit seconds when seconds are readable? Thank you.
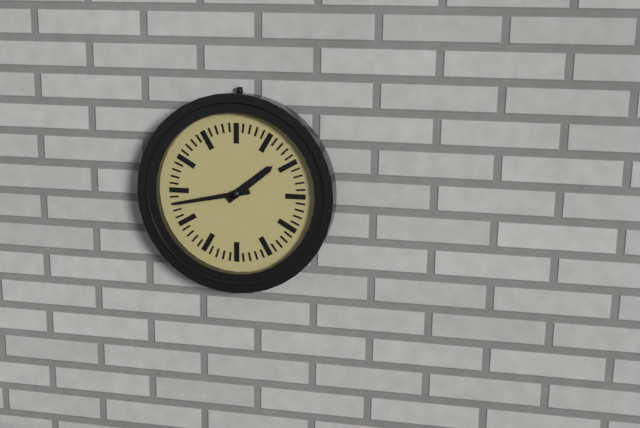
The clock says 1,43
